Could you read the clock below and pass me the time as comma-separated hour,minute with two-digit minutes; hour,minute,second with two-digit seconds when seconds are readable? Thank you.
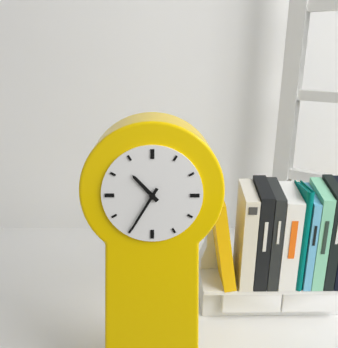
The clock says 10,35
